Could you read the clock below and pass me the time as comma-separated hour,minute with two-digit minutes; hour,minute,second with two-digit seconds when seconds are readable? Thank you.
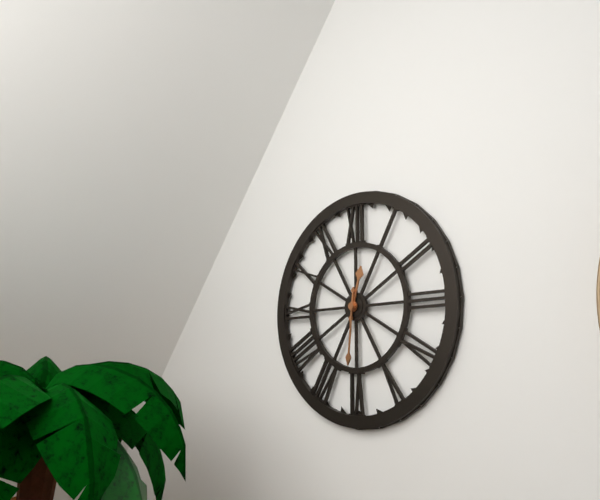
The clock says 12,31
